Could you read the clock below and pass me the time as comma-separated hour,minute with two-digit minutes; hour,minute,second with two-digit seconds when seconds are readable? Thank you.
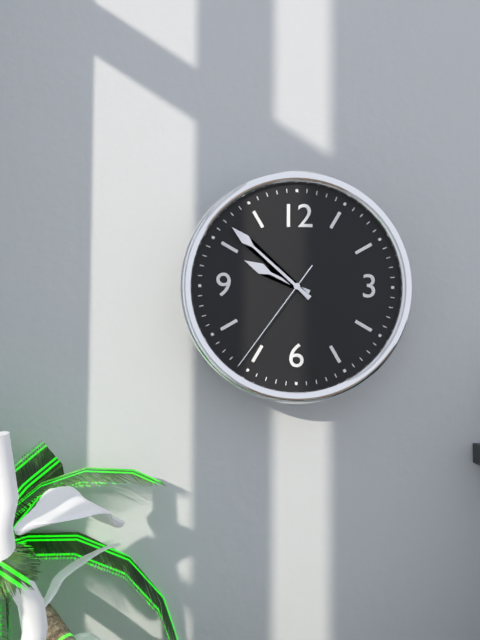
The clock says 9,52,36
